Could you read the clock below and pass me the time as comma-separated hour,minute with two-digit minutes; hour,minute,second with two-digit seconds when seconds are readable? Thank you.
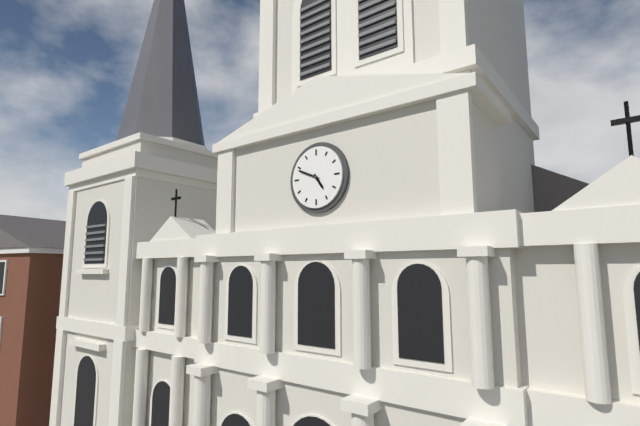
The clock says 4,49
